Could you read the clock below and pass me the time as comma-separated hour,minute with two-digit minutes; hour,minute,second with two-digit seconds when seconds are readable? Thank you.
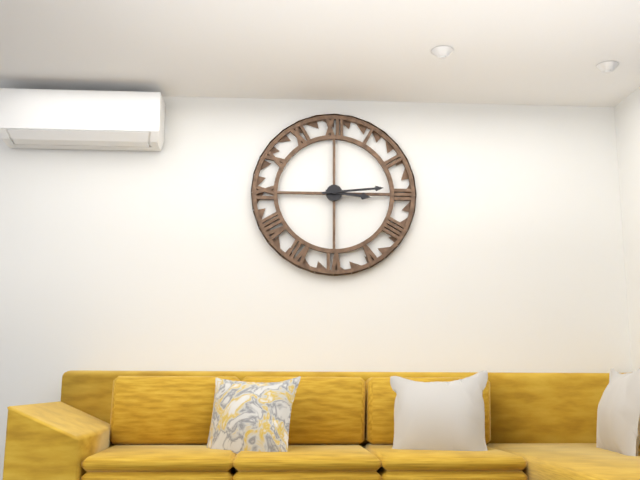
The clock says 3,14
